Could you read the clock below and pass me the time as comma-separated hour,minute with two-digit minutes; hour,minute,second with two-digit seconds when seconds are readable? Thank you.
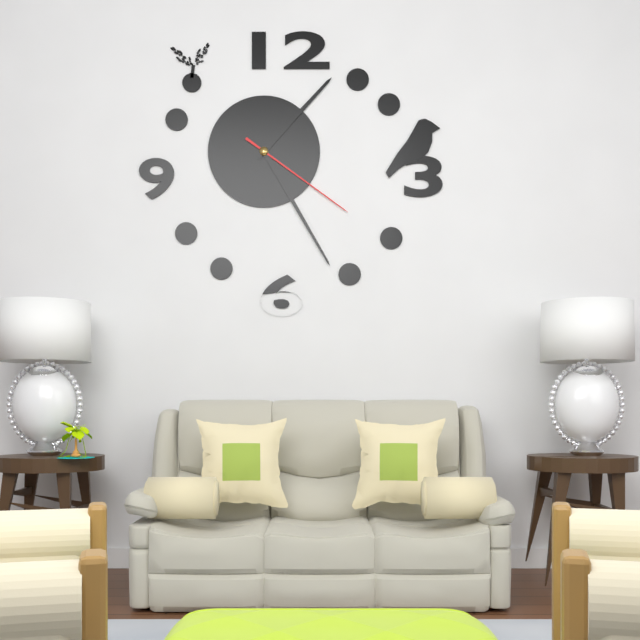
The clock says 1,25,21
